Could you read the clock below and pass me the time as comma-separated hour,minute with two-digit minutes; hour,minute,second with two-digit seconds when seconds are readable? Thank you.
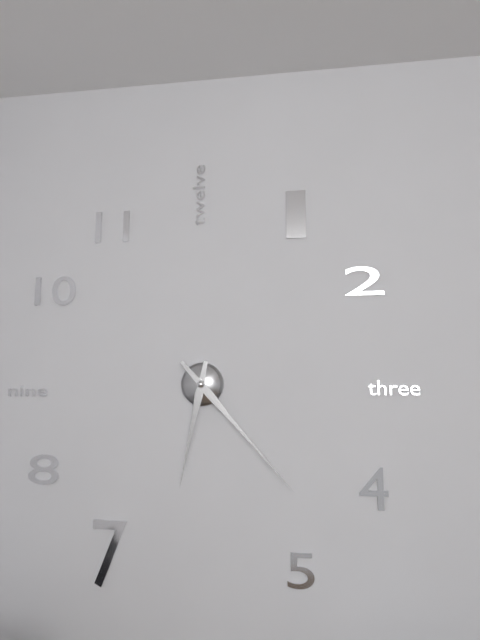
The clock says 6,23
